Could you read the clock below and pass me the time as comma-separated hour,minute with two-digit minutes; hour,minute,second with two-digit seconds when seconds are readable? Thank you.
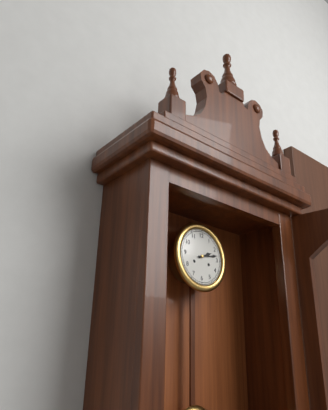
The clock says 2,13
